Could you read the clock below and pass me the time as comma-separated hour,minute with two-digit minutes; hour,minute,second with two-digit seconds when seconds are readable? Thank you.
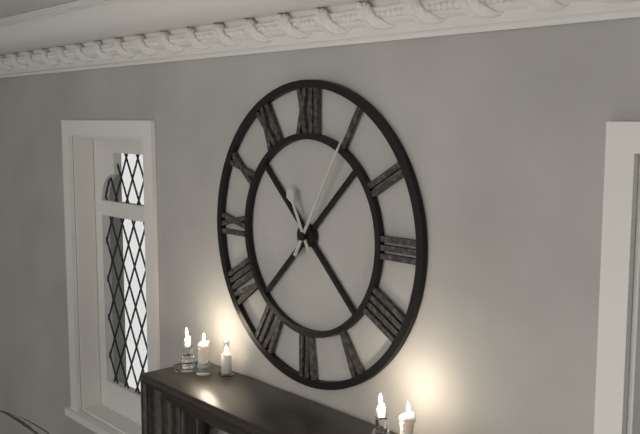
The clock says 11,05
